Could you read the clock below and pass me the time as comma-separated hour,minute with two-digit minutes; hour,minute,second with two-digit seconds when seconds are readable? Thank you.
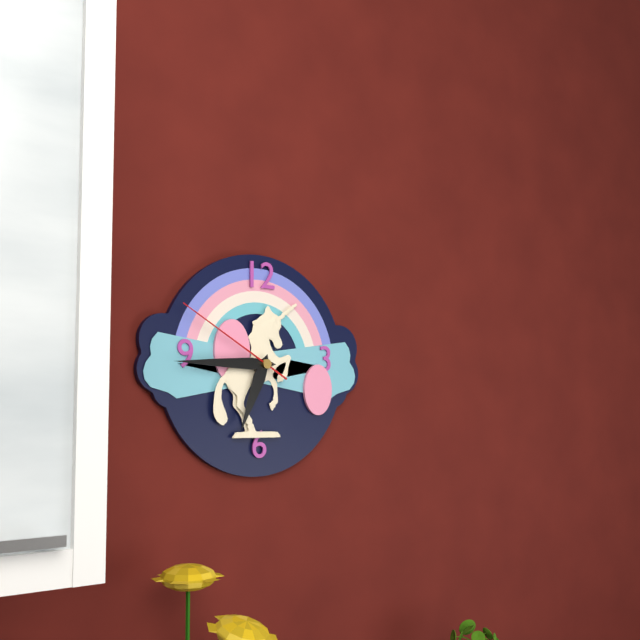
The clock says 6,45,50
